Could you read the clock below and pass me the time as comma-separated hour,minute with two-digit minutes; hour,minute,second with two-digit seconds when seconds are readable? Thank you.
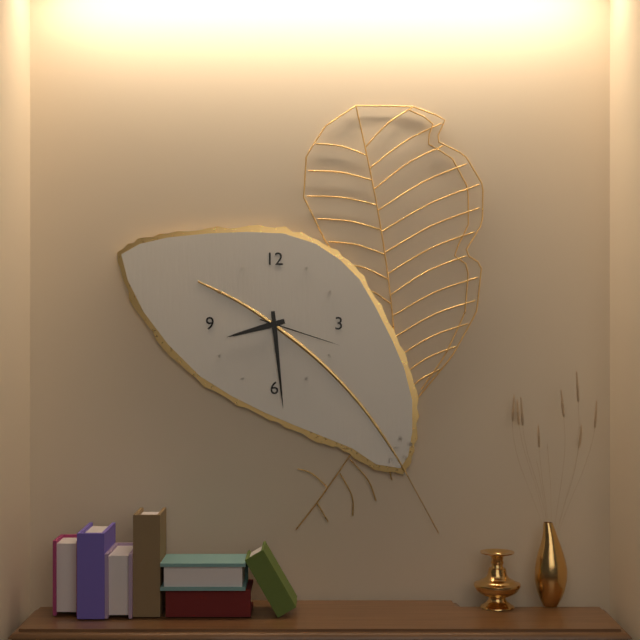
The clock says 8,29,18
